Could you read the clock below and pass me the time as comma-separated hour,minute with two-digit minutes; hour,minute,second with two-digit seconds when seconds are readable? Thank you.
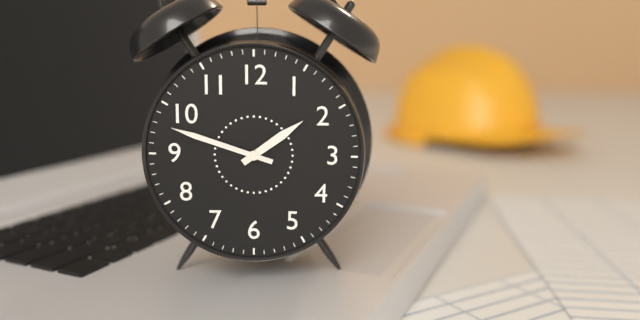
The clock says 1,48
